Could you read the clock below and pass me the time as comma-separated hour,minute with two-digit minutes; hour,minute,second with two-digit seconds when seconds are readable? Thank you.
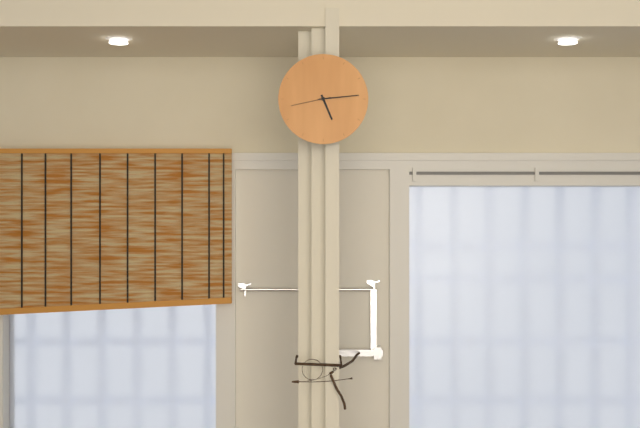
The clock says 5,14
